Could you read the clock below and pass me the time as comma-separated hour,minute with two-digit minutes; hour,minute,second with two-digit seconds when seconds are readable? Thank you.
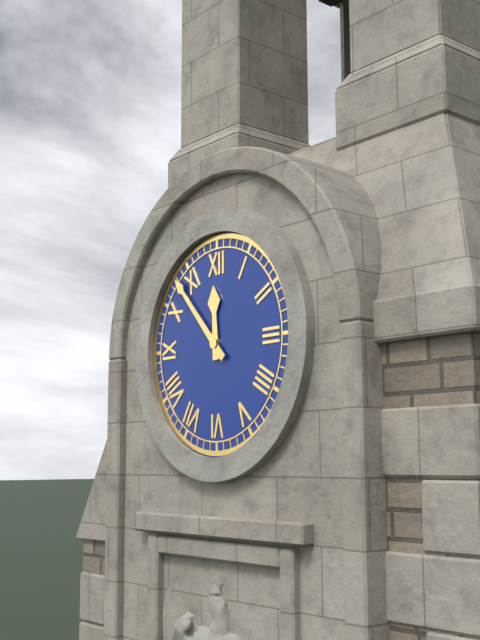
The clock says 11,53
